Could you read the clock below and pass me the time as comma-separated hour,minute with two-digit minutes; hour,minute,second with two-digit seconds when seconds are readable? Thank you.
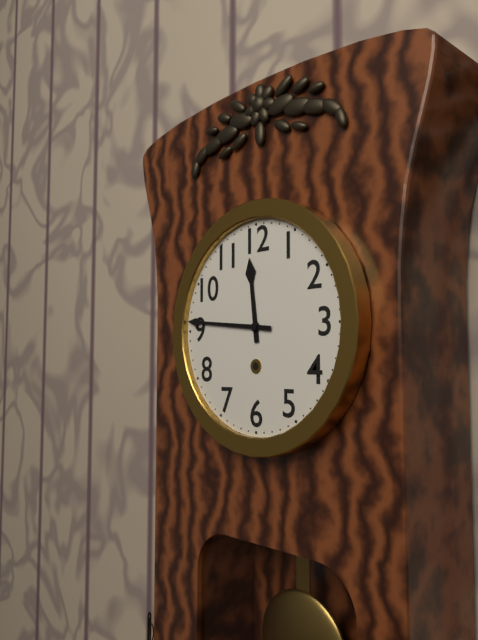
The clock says 11,46
